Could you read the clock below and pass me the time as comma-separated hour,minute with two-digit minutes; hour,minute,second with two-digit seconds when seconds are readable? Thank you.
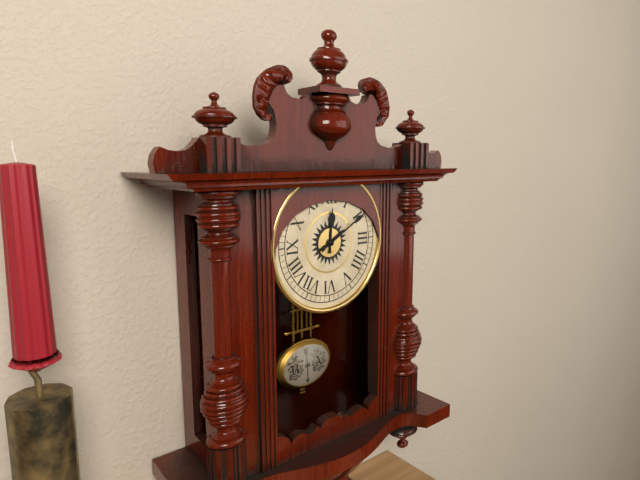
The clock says 12,10
